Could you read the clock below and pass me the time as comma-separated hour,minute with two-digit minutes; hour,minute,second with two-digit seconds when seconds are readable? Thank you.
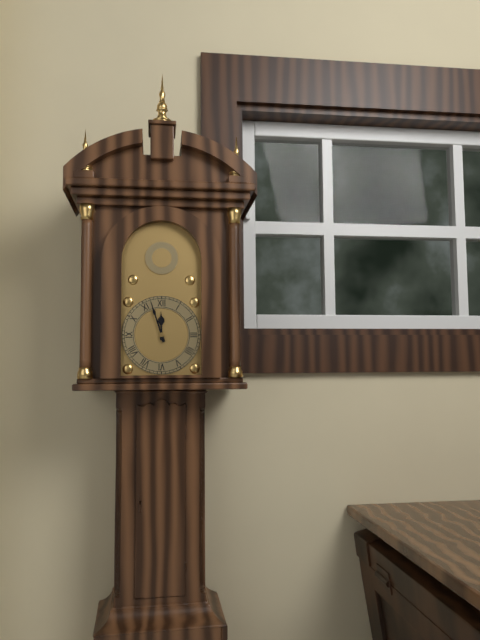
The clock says 11,57
